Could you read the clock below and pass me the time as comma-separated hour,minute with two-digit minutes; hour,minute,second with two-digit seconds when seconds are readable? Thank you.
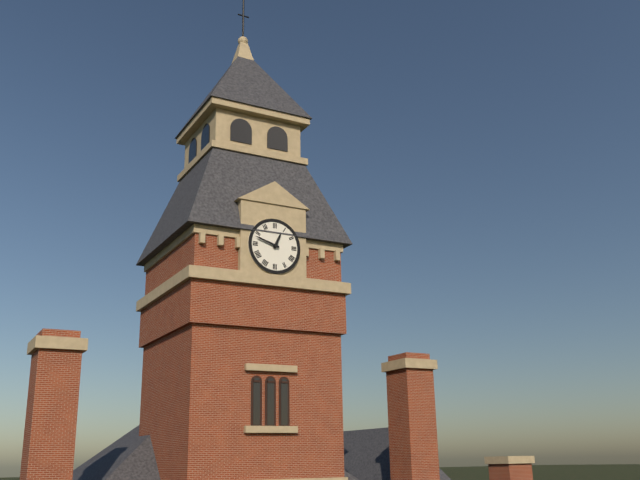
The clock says 12,48
